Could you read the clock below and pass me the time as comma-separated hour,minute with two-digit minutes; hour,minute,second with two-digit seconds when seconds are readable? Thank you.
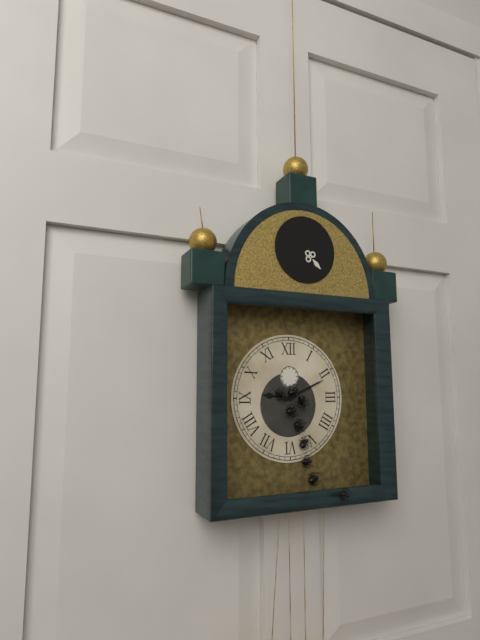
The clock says 9,11
